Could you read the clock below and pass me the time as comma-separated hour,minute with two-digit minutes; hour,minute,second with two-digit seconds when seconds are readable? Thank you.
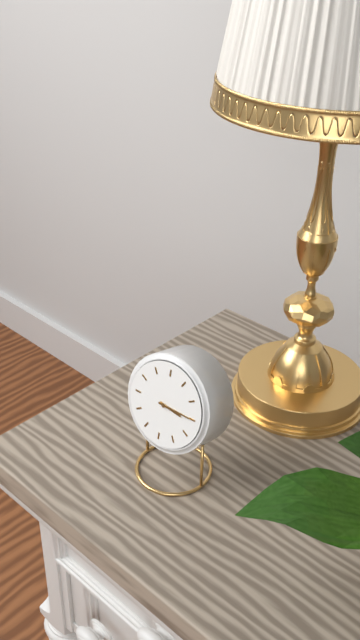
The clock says 3,15
